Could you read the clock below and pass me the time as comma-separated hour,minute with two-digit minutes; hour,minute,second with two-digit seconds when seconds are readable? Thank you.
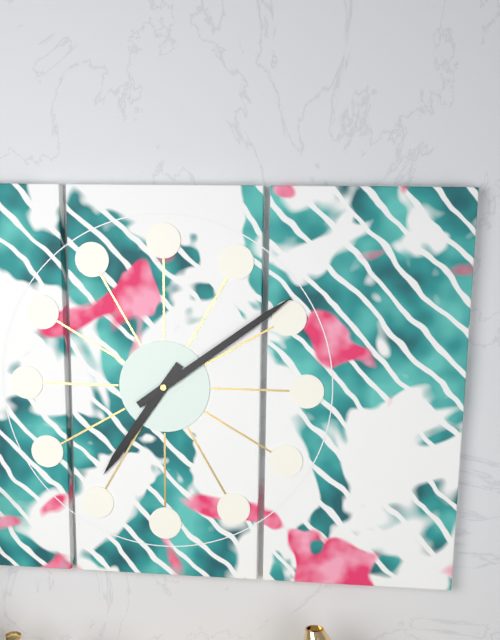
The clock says 7,09
